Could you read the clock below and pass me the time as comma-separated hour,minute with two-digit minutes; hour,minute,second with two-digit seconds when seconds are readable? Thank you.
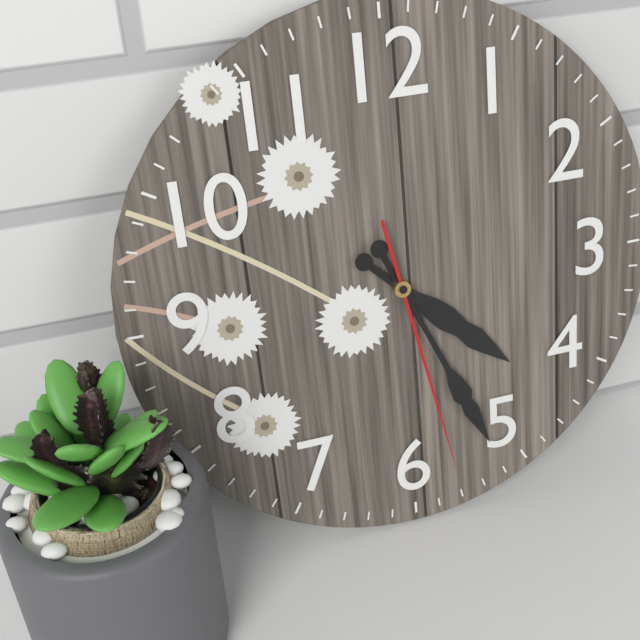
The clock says 4,26,28
